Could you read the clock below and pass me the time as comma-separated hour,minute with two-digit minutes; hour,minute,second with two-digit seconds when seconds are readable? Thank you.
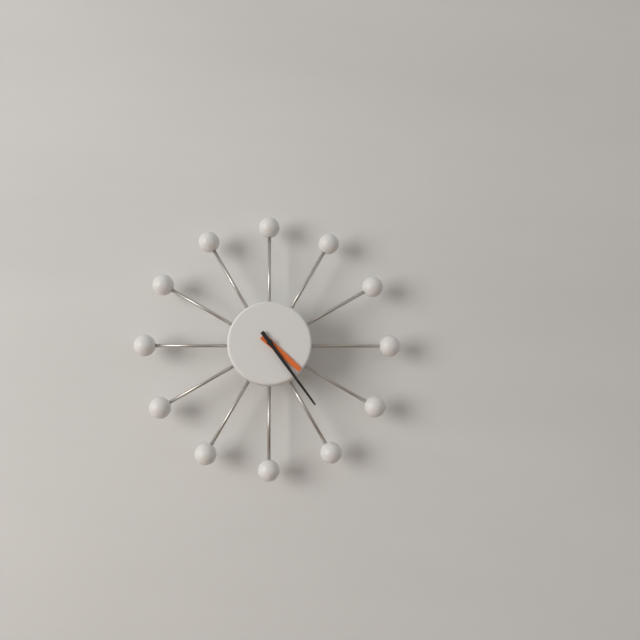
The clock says 4,24
